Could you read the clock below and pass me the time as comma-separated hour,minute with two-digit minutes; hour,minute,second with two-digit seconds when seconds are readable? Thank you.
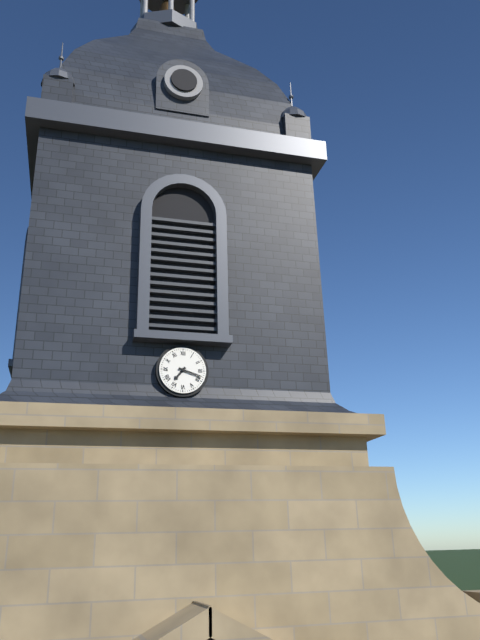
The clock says 7,18
